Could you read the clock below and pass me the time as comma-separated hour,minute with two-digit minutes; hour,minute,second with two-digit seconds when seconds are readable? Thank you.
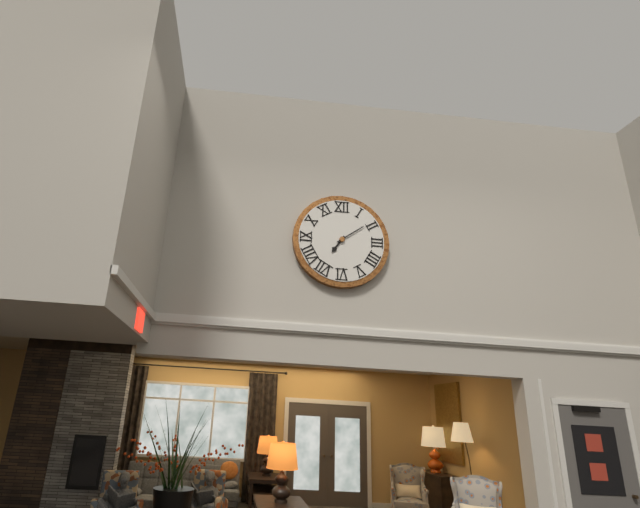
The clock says 7,09
